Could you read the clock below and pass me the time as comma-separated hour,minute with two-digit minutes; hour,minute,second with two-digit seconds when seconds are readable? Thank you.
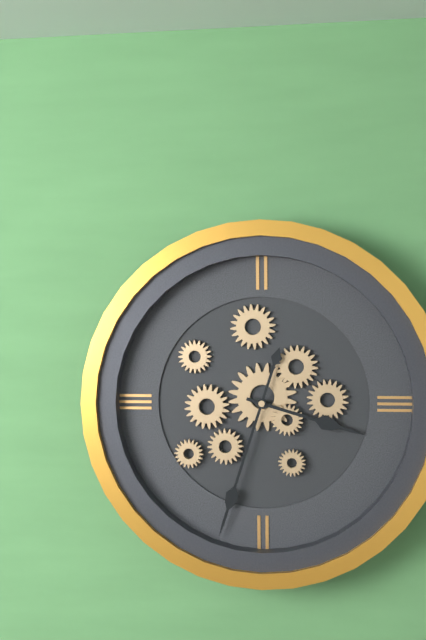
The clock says 3,33
